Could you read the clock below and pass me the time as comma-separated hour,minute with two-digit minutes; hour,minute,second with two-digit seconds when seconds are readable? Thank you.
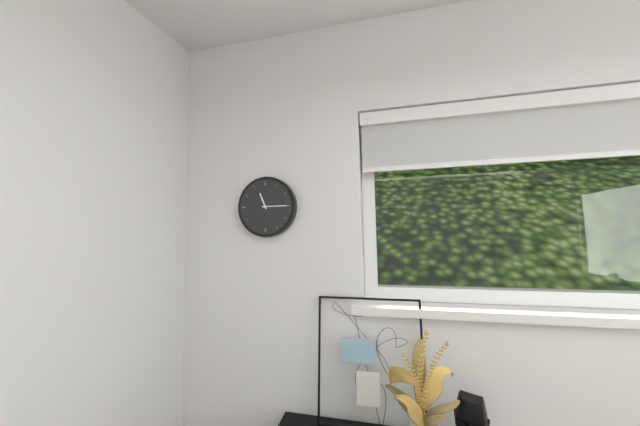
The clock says 11,15
